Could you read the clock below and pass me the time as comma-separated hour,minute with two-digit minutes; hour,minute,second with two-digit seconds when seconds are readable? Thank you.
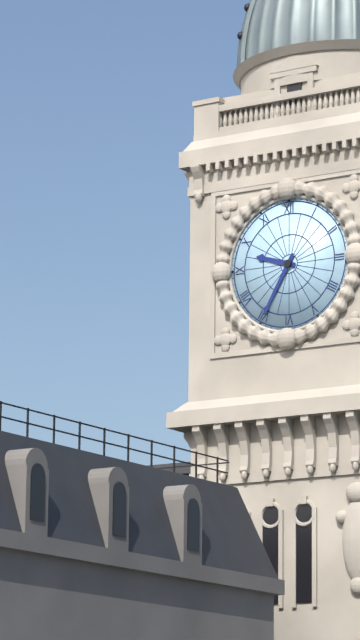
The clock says 9,35
